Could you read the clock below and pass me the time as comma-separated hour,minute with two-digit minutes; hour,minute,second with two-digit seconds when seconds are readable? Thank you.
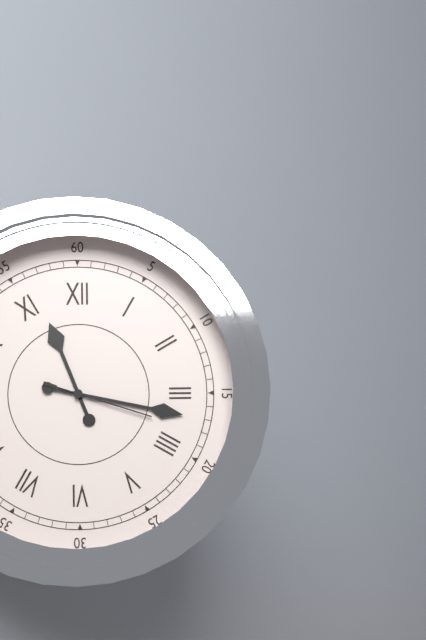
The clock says 11,17,18
